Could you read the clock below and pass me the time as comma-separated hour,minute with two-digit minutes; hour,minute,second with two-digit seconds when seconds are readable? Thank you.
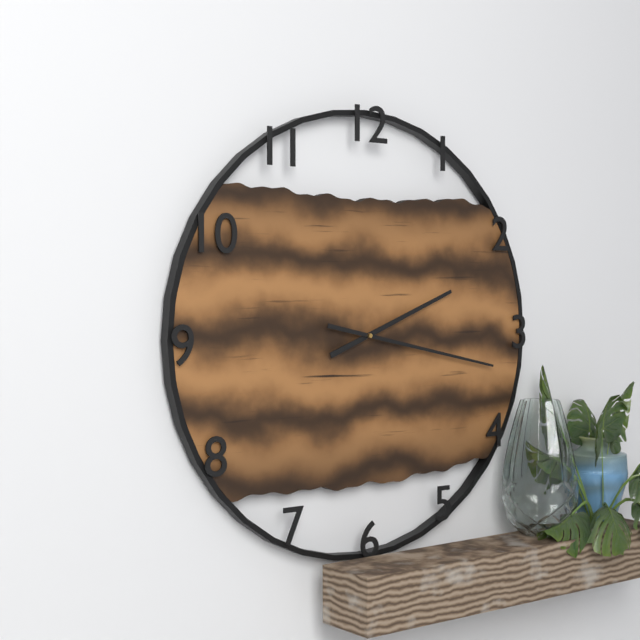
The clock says 2,17
